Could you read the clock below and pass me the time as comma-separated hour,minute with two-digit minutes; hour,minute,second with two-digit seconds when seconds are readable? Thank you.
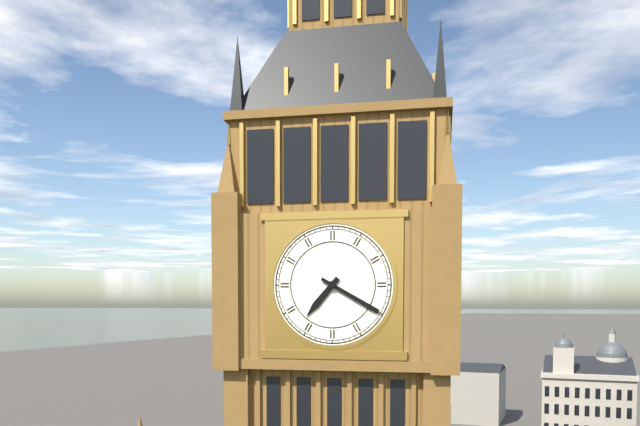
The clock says 7,20
